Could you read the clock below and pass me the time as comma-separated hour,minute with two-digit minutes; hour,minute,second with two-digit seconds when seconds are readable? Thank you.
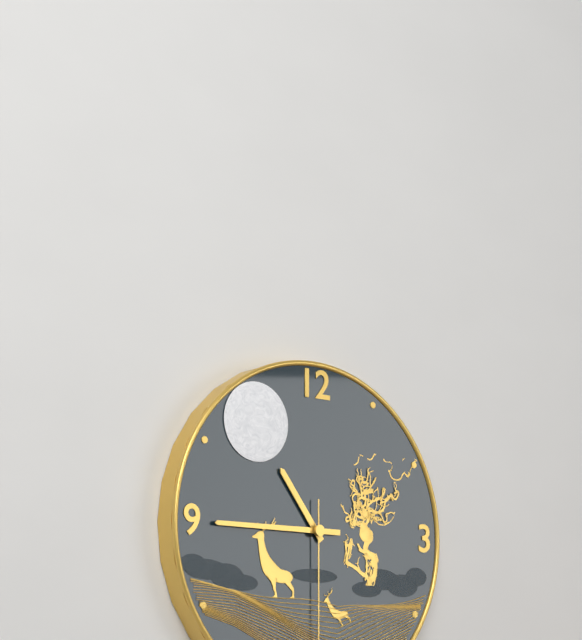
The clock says 10,45
